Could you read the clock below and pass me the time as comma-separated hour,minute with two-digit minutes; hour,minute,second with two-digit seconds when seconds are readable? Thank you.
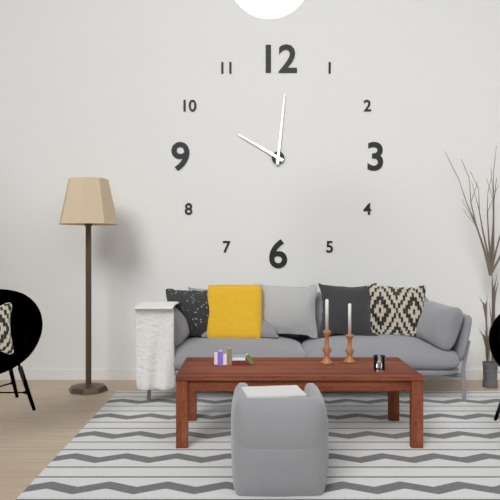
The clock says 10,01
